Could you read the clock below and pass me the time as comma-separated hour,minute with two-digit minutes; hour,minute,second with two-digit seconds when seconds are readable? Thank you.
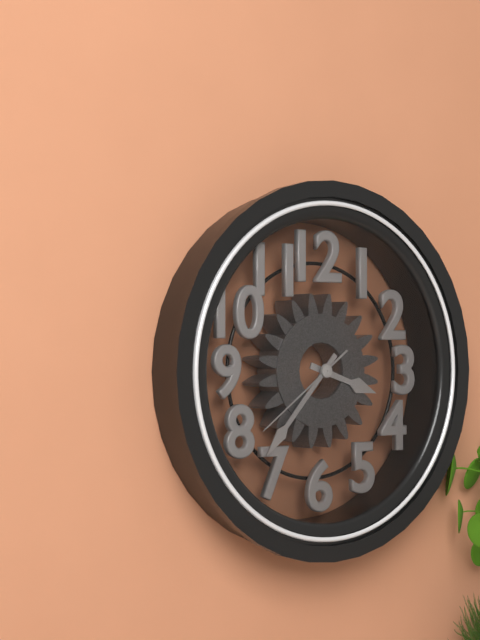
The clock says 3,37,39
